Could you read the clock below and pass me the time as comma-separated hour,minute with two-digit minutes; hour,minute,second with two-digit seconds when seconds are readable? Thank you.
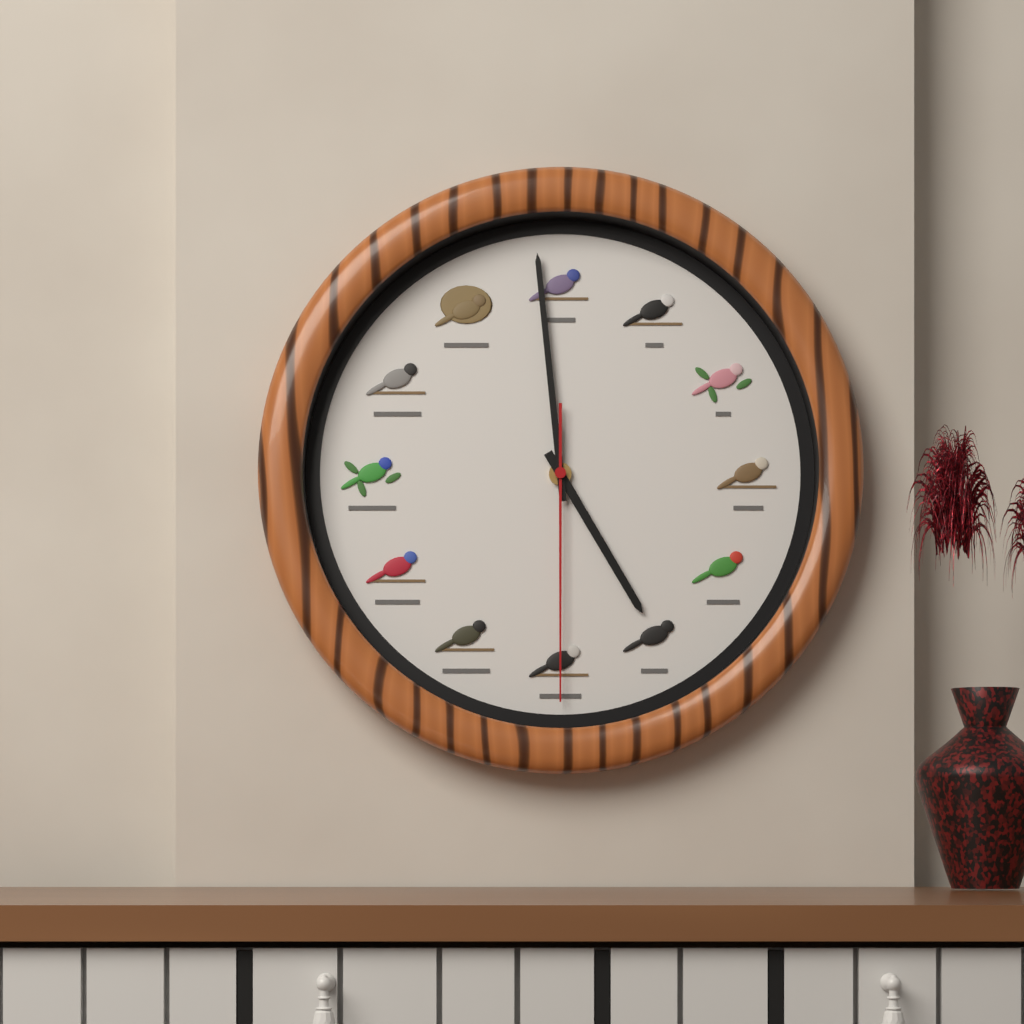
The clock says 4,59,30
